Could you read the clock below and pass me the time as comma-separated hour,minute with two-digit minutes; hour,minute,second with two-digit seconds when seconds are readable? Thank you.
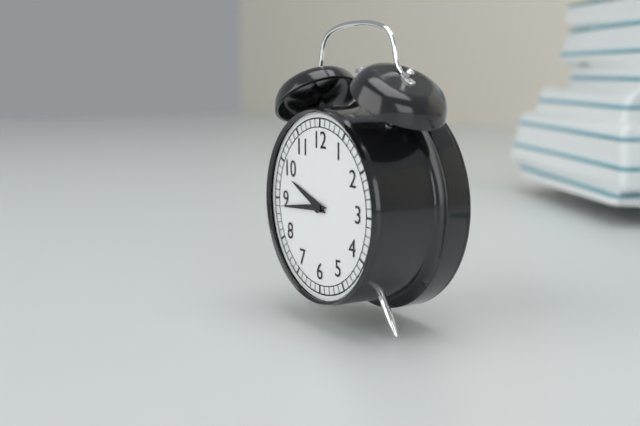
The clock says 9,44
